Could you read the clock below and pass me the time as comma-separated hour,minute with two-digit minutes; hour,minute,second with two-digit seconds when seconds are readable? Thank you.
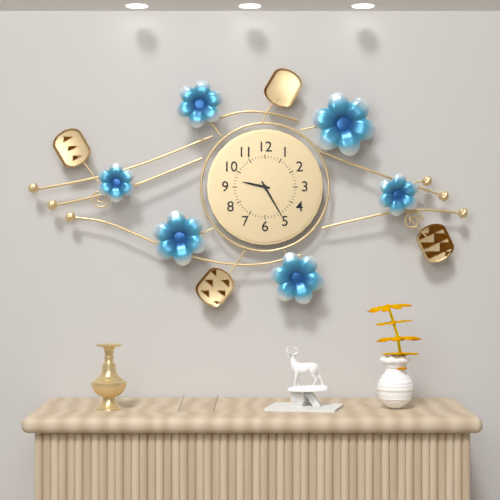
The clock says 9,25
